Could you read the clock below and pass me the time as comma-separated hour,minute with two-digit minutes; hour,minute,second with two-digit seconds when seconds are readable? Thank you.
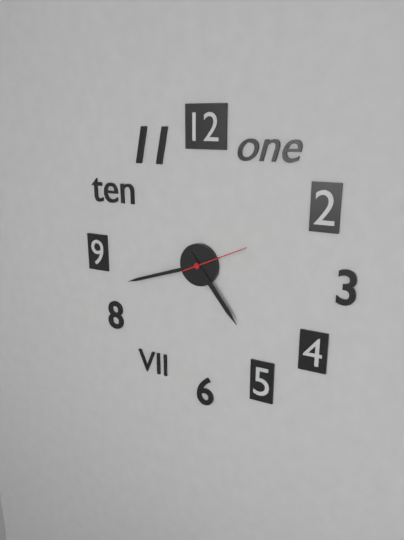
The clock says 4,42,11
